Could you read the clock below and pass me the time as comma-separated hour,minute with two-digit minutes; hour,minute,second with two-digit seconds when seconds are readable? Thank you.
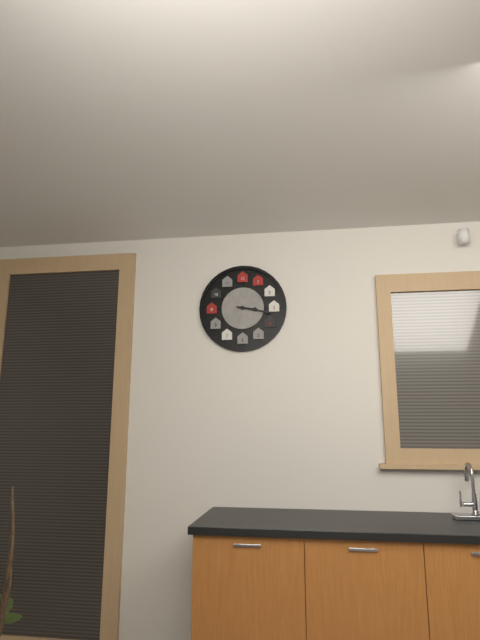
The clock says 3,17
